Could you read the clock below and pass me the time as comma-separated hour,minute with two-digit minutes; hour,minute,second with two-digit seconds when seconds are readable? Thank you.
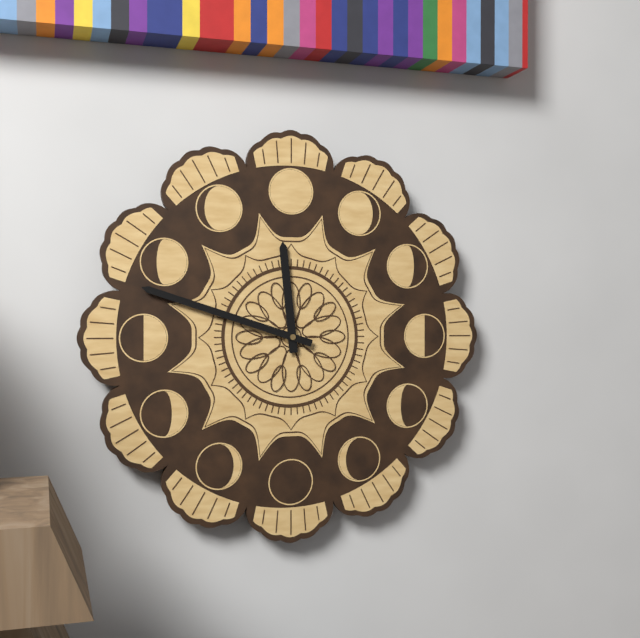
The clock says 11,48
